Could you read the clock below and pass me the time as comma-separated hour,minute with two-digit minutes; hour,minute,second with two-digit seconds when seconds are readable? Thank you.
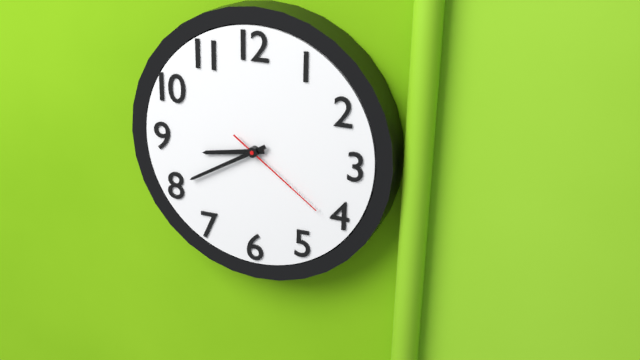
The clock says 8,40,21
